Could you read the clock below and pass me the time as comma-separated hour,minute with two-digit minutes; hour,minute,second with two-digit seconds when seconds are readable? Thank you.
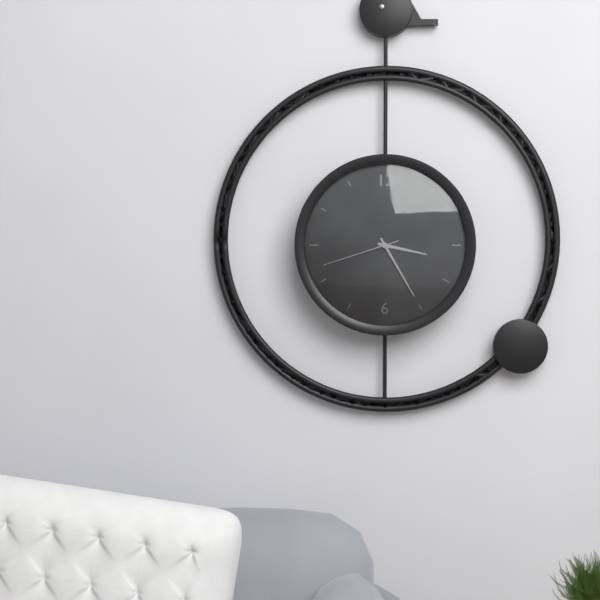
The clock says 3,25,42
